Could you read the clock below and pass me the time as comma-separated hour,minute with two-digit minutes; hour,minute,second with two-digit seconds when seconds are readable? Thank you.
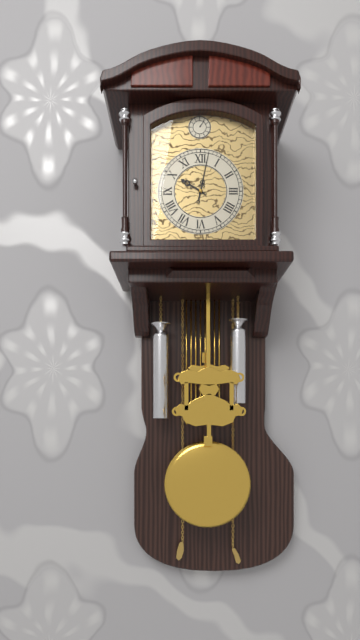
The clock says 10,02
